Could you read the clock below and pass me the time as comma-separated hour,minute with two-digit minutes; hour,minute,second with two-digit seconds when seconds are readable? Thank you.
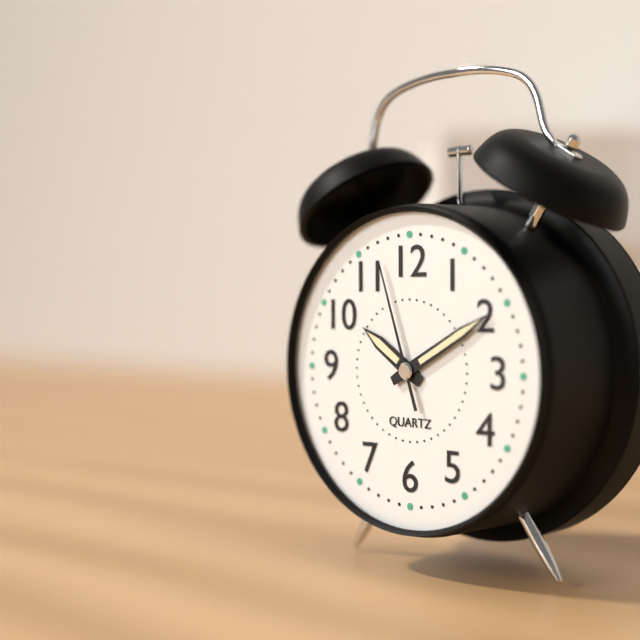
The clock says 10,10,57
